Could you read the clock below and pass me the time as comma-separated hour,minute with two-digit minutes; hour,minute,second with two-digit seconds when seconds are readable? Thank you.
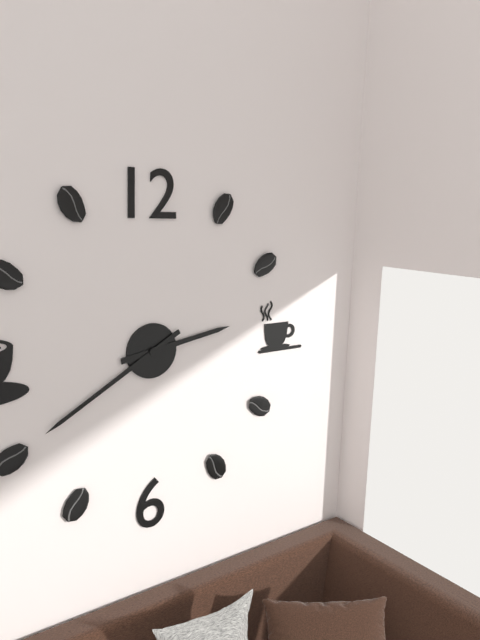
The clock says 2,40
